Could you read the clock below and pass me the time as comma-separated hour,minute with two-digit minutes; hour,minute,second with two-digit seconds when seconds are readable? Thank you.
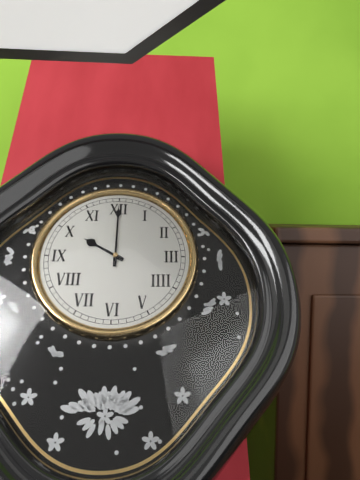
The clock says 10,00
